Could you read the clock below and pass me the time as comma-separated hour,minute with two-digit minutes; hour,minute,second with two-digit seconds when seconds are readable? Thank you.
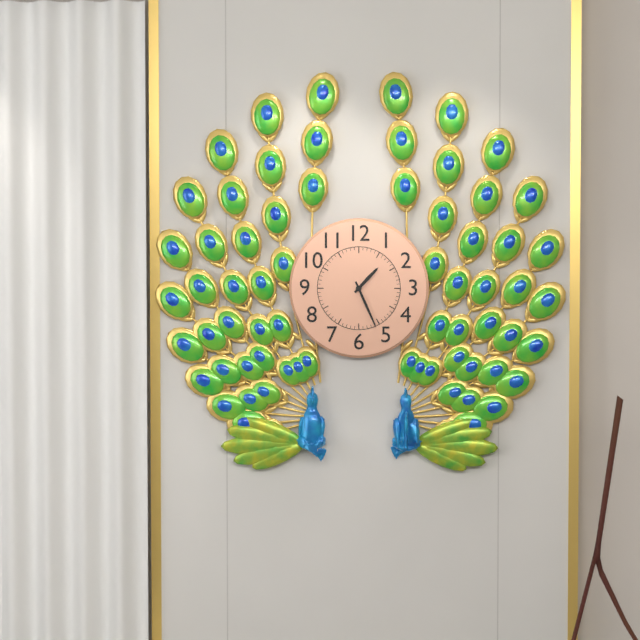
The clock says 1,26
